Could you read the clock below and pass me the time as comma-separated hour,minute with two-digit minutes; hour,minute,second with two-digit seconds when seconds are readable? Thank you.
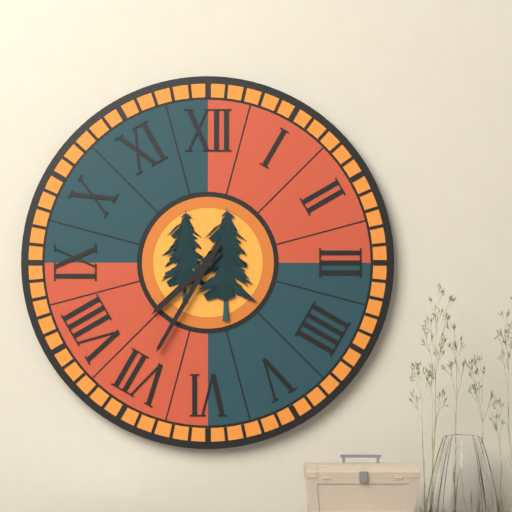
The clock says 7,35
